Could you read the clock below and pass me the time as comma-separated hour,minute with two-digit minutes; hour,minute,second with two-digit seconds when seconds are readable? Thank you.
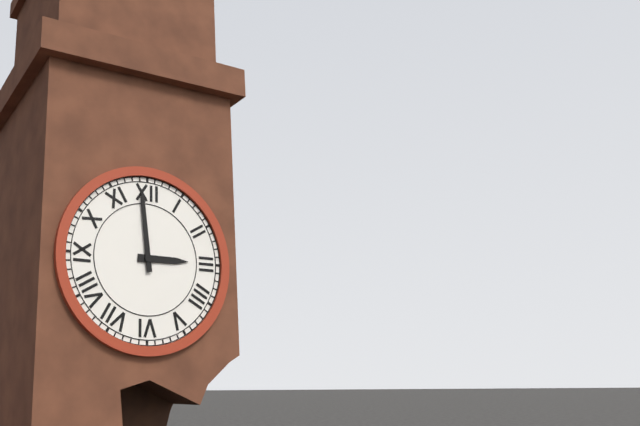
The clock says 2,59
